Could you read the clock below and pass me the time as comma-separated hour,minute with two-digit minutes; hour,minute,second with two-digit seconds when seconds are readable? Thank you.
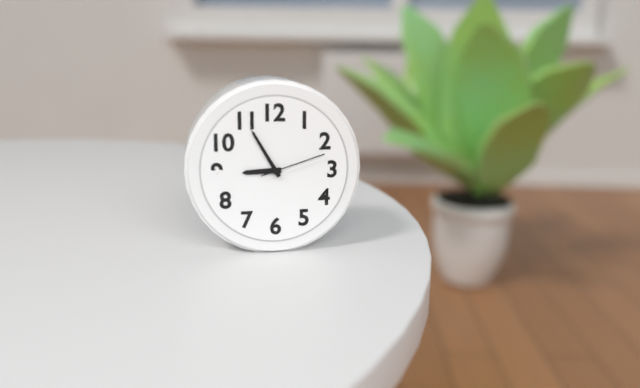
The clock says 8,55,12
